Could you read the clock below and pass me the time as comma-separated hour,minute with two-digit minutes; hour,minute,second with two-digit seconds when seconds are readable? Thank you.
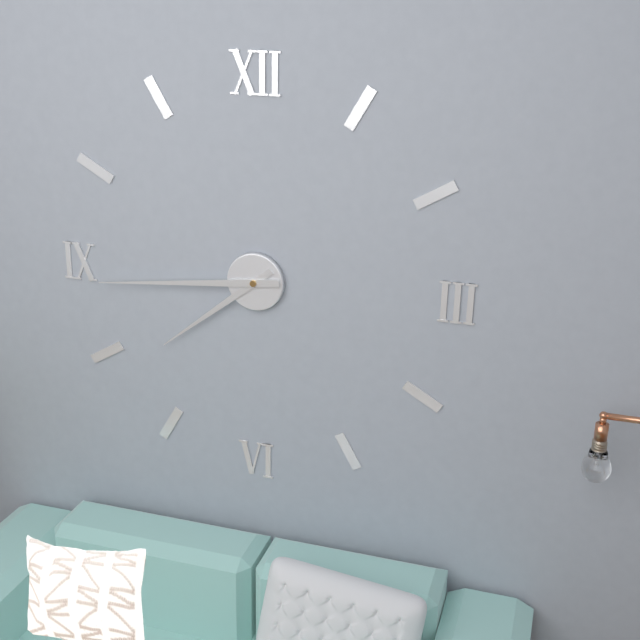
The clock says 7,44
